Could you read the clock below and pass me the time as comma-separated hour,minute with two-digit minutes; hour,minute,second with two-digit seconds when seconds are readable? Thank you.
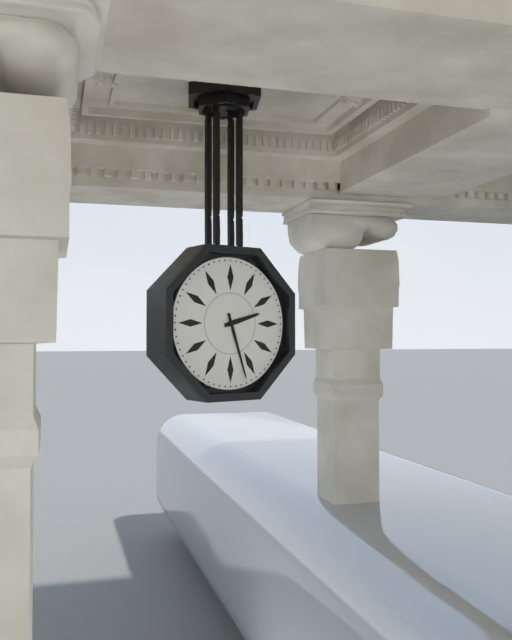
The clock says 2,27
